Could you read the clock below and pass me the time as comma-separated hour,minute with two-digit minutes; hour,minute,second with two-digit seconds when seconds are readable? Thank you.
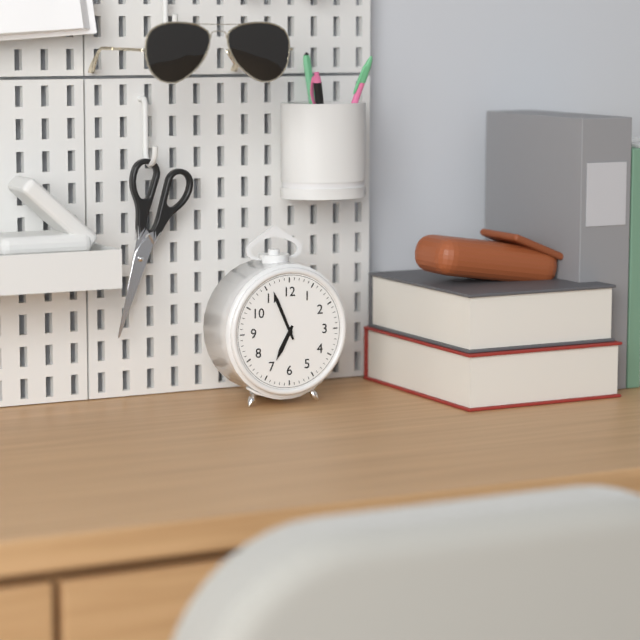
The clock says 6,56
